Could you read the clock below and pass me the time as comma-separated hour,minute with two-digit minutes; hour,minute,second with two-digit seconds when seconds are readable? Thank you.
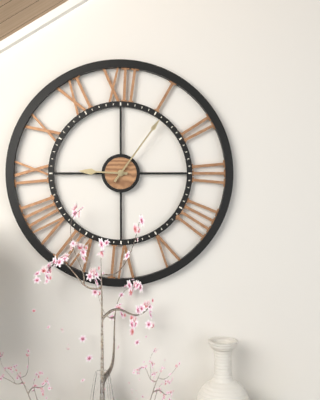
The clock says 9,06
